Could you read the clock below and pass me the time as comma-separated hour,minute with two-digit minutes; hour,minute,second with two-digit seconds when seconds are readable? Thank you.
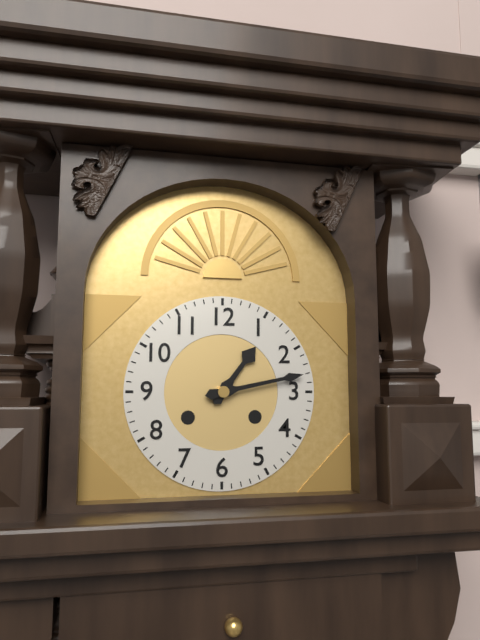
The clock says 1,13
